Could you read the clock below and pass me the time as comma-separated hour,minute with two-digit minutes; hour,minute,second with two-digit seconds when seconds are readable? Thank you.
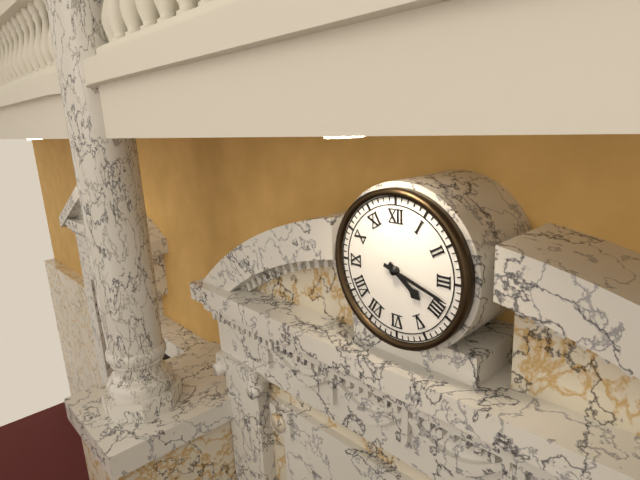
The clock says 4,18
